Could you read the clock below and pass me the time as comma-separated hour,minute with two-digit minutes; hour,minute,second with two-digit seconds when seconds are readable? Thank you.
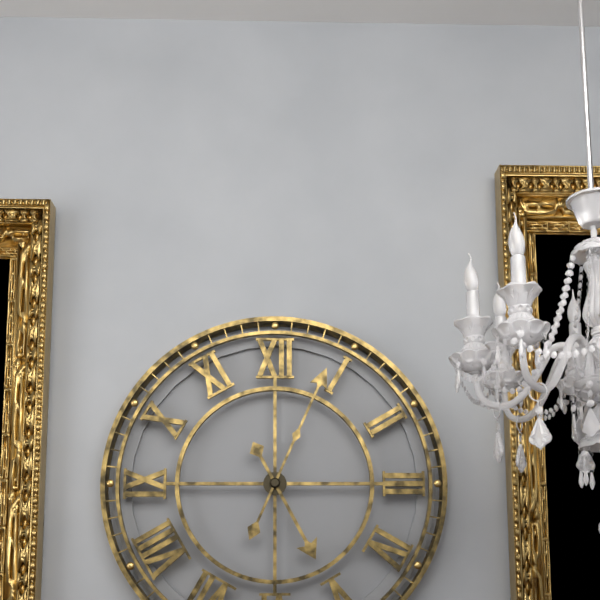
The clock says 5,04
